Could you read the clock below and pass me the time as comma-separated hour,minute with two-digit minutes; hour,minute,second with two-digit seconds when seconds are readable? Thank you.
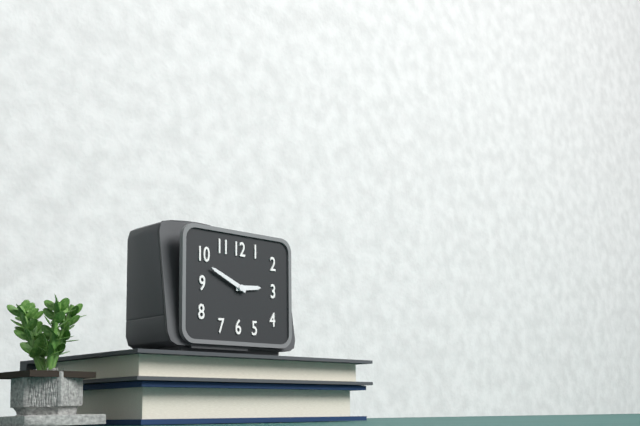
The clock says 2,49
